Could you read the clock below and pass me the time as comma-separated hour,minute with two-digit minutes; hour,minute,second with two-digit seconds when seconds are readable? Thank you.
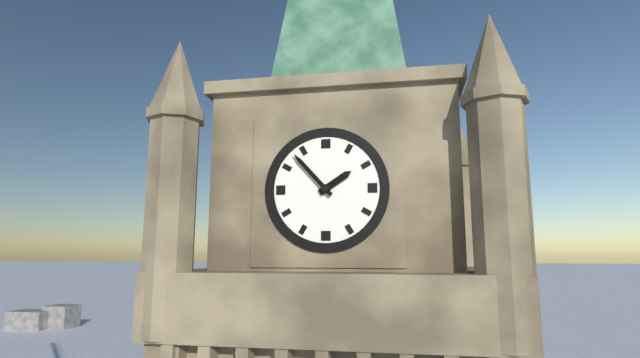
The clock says 1,53
